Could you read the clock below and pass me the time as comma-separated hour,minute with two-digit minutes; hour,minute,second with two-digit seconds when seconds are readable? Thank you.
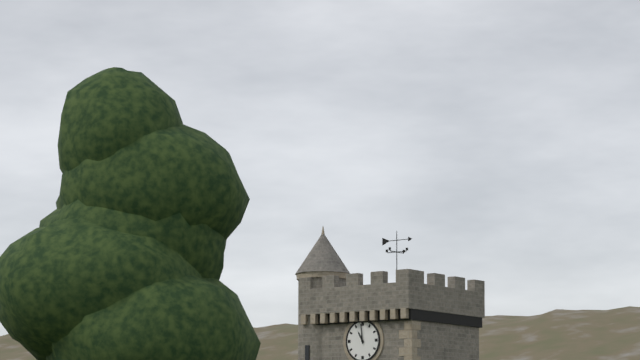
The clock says 10,59
